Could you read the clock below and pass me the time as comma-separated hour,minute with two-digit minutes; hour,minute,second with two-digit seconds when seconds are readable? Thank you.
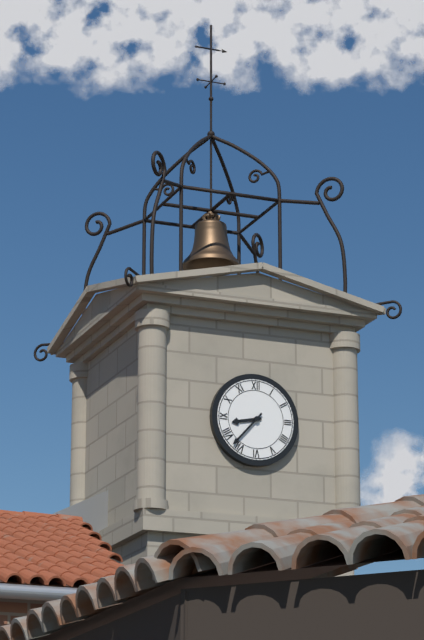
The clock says 8,37
